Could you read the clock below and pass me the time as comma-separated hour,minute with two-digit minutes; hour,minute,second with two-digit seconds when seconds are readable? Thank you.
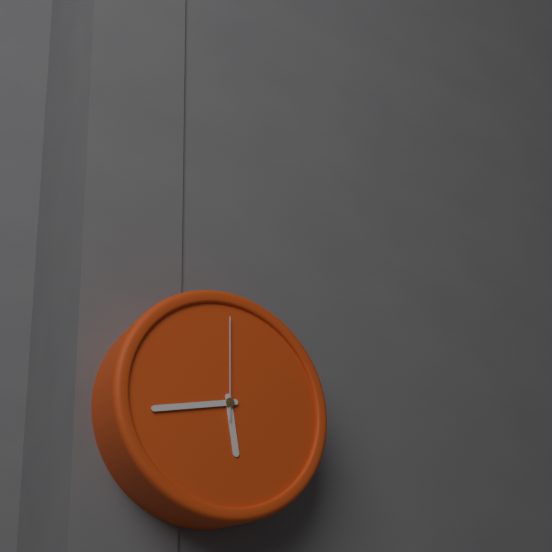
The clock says 5,43,00
